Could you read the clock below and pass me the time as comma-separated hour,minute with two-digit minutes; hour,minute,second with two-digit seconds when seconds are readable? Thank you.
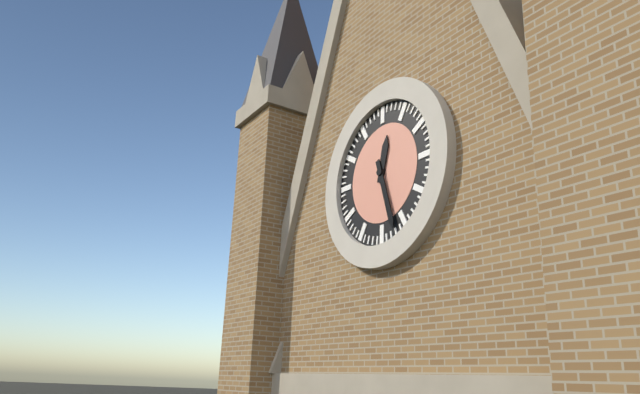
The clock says 12,27
